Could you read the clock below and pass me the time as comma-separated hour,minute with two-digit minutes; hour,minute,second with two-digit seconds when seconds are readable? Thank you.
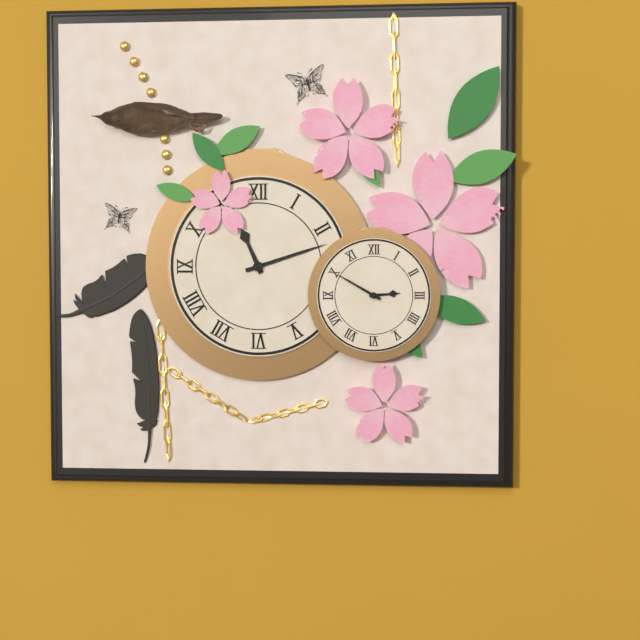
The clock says 11,12
